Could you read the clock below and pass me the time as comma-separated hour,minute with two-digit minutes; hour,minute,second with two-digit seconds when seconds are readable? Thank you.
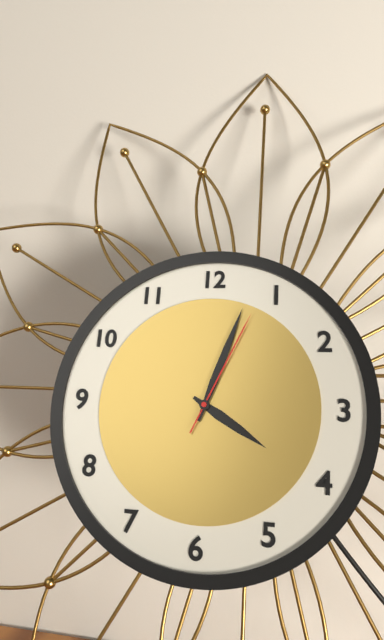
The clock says 4,03,04
